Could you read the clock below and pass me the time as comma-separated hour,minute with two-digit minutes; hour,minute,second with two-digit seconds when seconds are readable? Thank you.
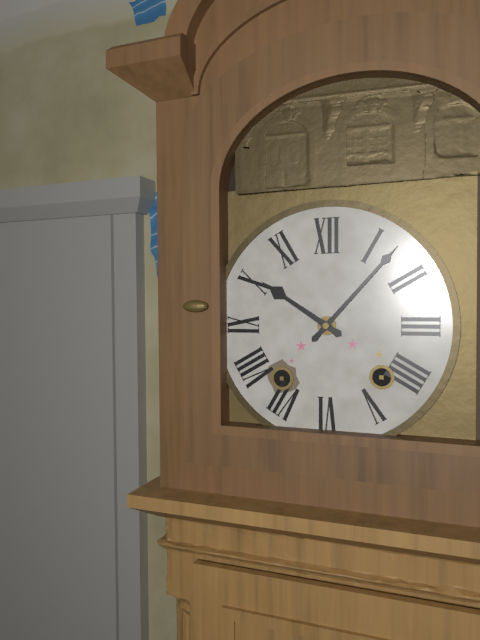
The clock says 10,07
